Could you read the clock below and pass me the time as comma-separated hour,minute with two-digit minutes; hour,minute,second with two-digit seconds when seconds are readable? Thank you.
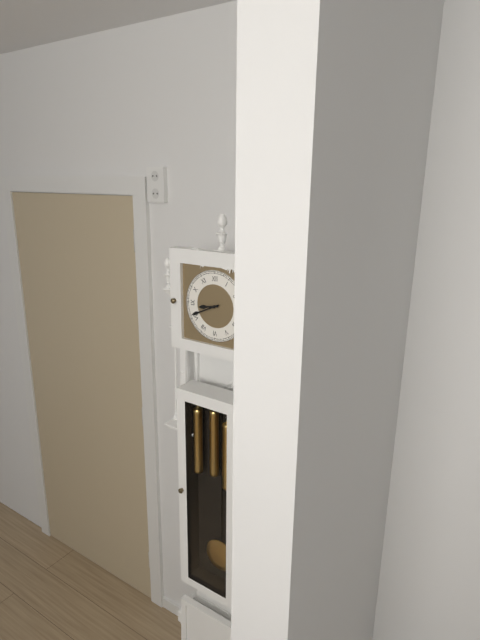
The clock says 8,41
